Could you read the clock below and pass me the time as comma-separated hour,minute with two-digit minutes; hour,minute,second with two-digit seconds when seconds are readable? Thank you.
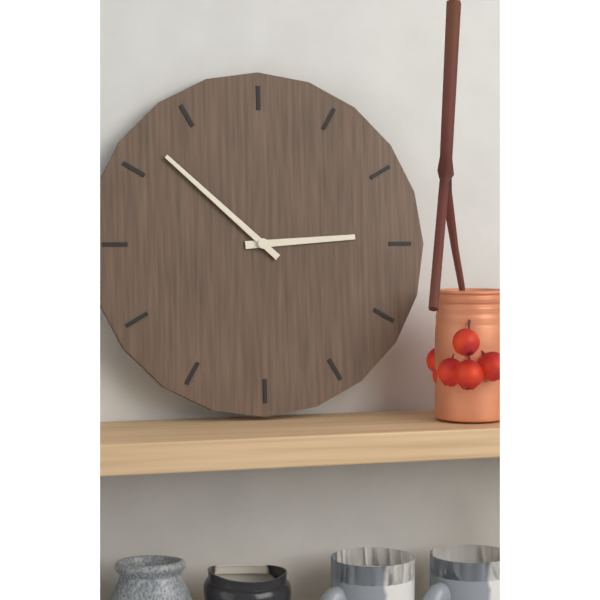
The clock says 2,52
